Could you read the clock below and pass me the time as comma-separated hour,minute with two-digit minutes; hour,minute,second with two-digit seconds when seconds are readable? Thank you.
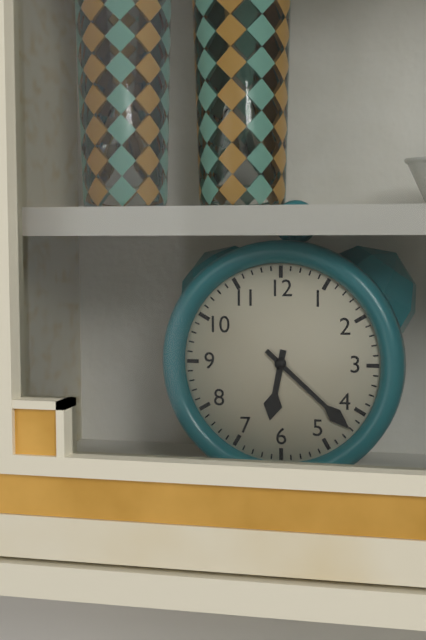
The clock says 6,22
